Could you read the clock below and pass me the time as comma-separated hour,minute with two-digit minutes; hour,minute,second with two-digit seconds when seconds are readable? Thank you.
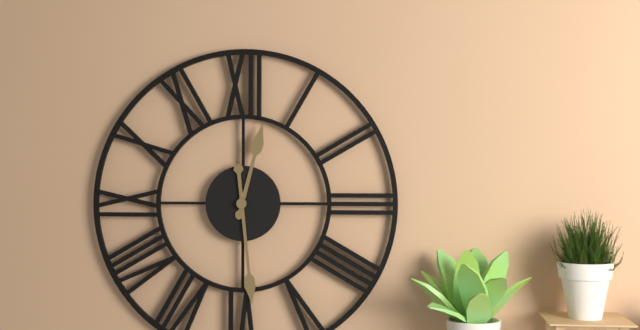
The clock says 12,29
